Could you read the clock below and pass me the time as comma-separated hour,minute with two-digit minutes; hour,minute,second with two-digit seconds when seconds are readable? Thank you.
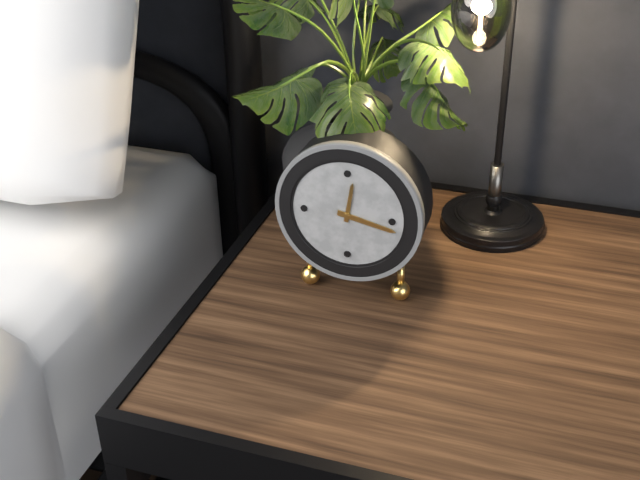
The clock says 12,17
